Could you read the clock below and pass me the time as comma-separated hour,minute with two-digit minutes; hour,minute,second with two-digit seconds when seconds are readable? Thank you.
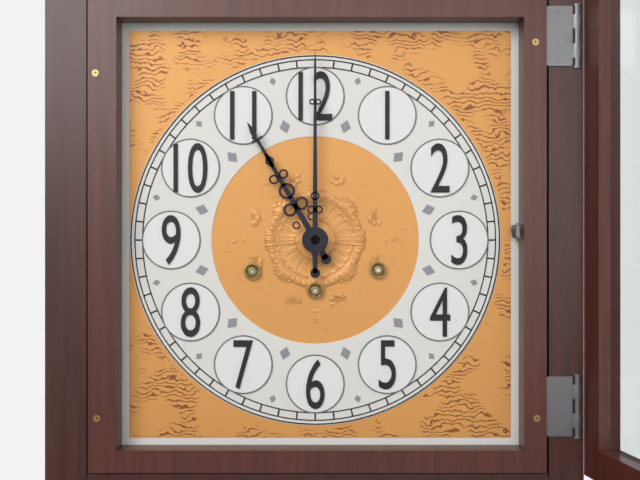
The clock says 11,00
